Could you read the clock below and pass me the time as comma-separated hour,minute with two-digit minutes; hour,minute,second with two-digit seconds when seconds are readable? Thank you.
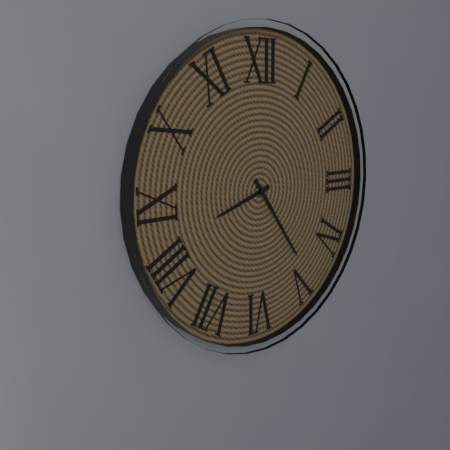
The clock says 8,24
